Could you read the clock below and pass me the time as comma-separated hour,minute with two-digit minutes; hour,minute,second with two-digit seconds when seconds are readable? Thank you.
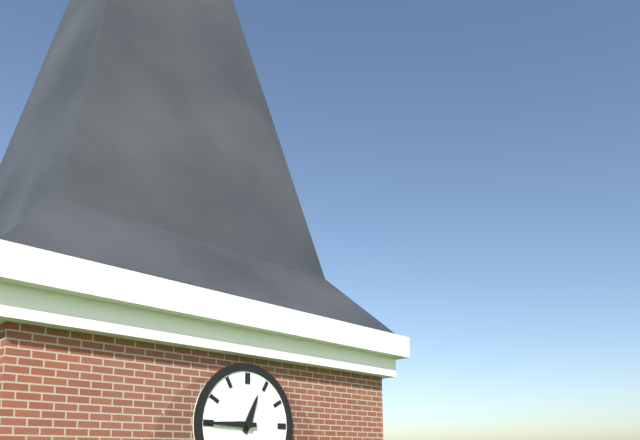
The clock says 12,45
